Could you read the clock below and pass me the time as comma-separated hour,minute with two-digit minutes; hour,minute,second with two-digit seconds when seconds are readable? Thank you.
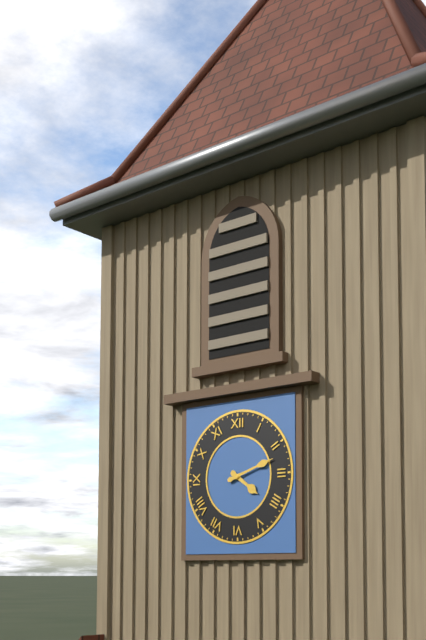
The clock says 4,12
